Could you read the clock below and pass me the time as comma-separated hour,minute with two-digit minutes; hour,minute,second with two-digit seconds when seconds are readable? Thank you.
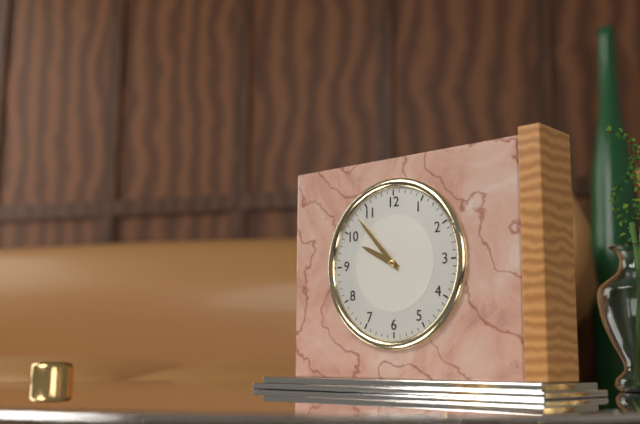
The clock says 9,53
